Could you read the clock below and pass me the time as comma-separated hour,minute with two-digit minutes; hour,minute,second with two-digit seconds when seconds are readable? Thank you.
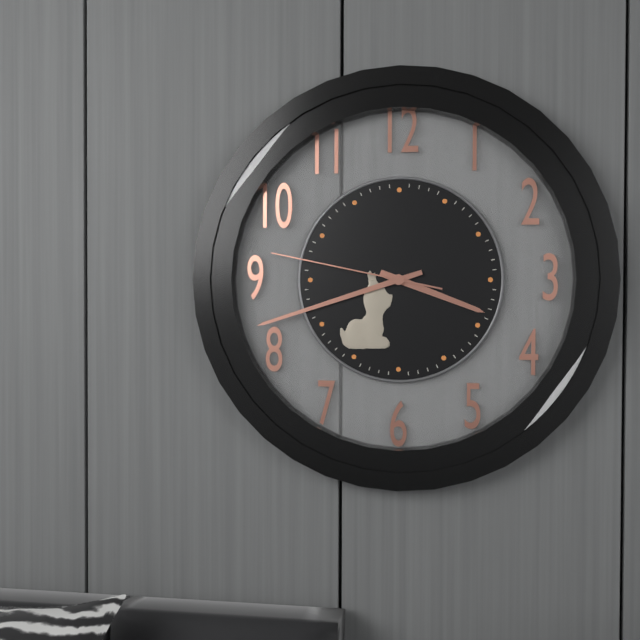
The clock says 3,42,47
